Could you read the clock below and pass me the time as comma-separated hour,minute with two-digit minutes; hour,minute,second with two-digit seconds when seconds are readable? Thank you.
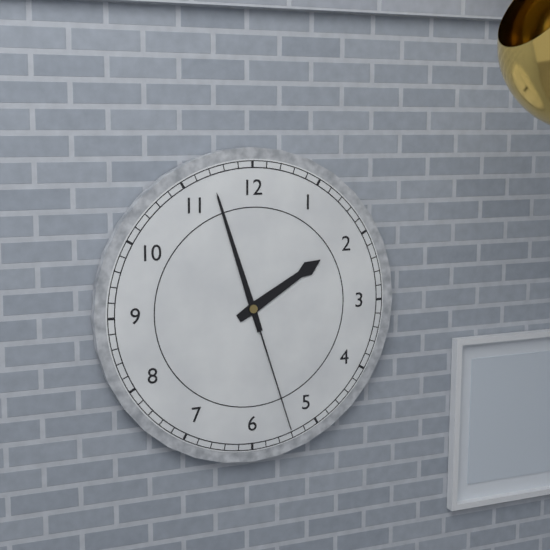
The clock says 1,57,27
